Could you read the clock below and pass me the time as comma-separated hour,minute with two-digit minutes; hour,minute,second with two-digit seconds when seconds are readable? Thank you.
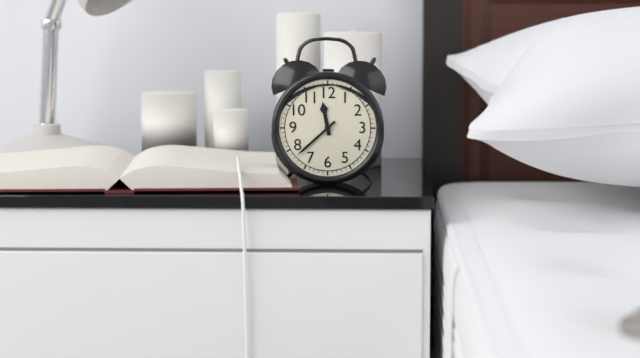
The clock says 11,38
